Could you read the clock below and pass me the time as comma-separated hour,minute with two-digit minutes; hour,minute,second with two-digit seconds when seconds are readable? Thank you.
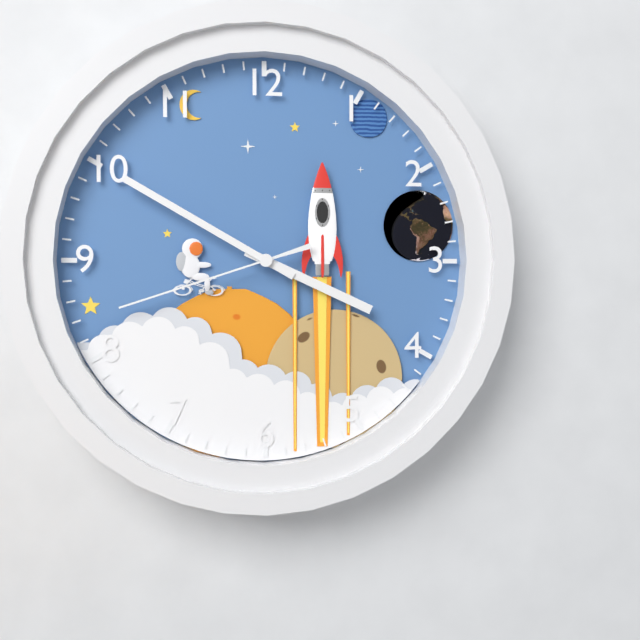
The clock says 3,50,42
